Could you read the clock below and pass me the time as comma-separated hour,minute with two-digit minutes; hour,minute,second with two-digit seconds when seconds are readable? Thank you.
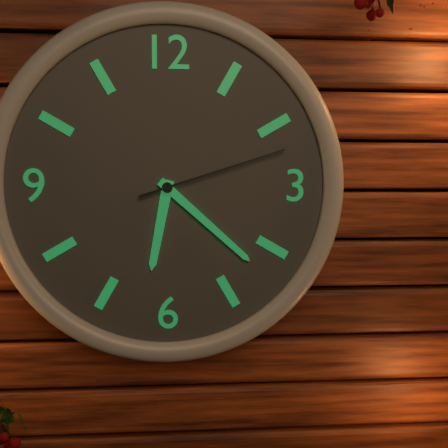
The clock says 6,22,12
